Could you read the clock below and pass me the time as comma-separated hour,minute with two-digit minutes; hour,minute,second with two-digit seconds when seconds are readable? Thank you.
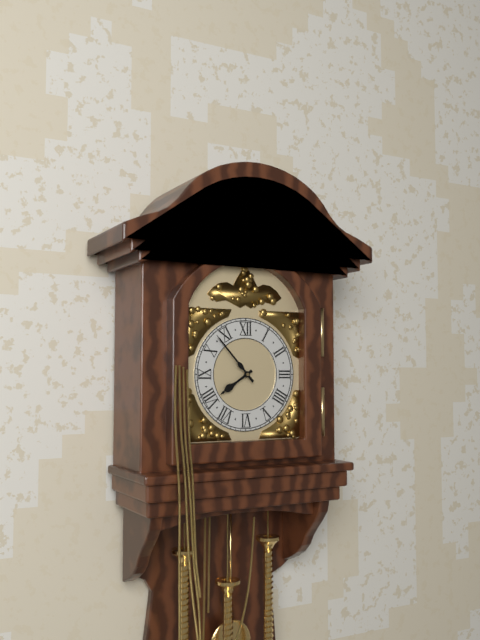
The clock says 7,53
